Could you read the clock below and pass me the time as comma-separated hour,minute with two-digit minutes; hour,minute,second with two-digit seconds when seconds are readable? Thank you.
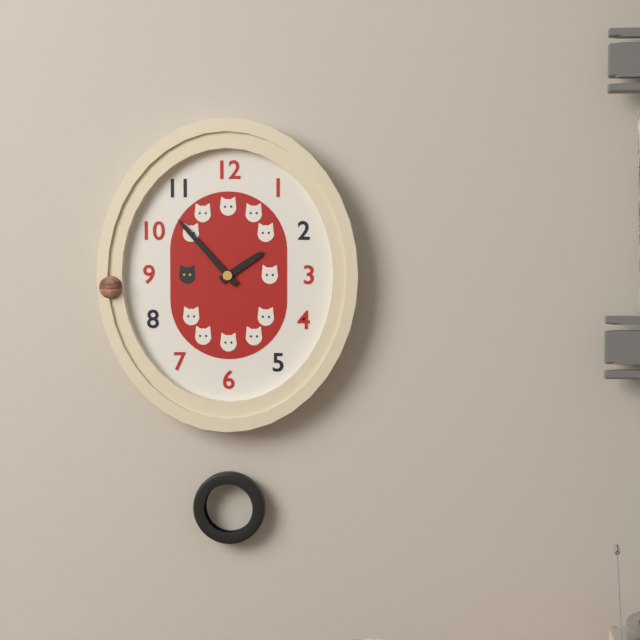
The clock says 1,53
